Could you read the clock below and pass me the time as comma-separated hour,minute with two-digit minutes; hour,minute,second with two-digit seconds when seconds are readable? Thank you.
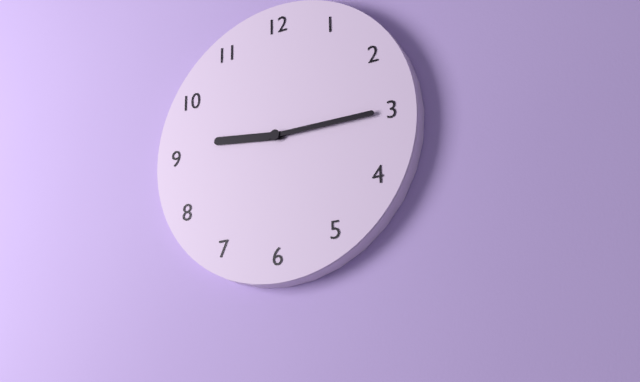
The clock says 9,15
